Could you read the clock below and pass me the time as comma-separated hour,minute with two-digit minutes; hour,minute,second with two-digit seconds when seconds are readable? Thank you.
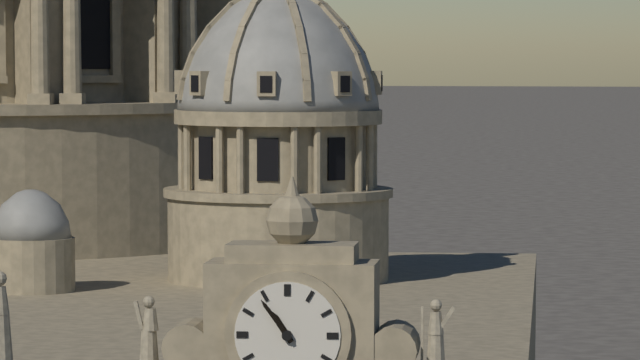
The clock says 10,54
